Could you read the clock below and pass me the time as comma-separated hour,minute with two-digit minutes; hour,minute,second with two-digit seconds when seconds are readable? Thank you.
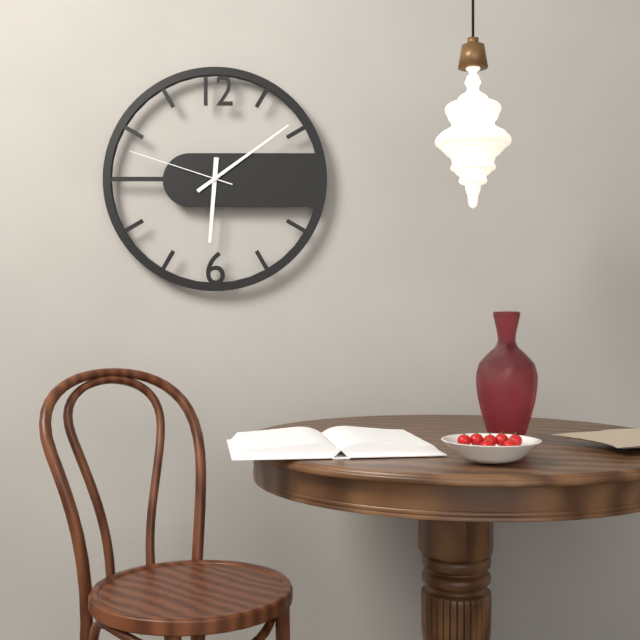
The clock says 6,09,48
